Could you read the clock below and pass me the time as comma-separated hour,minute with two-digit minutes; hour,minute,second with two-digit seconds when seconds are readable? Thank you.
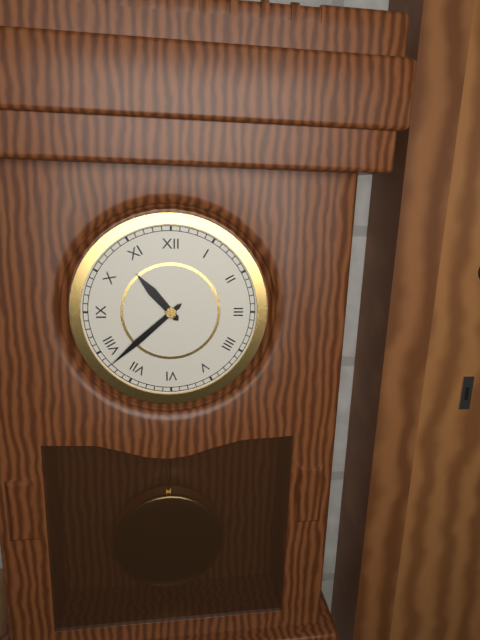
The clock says 10,38
